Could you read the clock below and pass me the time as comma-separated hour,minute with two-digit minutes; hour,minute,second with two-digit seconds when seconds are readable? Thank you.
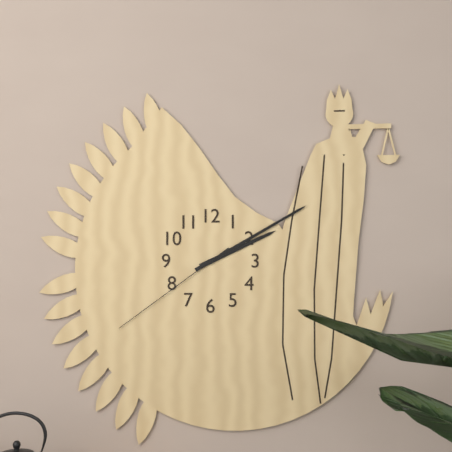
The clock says 2,10,39
